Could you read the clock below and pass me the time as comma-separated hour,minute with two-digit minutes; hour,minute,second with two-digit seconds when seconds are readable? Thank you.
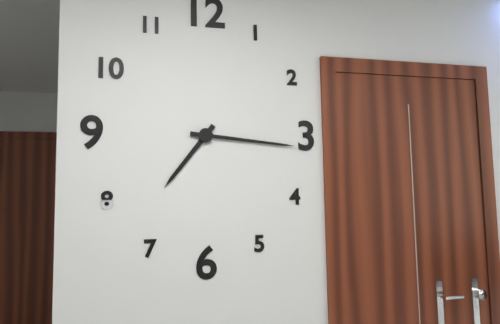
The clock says 7,16
